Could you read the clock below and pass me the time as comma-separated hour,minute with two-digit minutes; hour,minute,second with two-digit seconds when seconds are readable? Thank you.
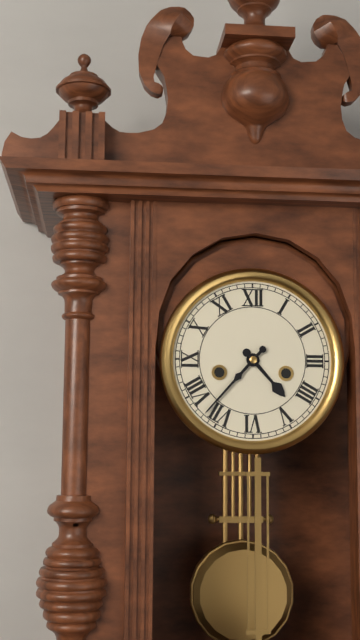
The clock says 4,37
